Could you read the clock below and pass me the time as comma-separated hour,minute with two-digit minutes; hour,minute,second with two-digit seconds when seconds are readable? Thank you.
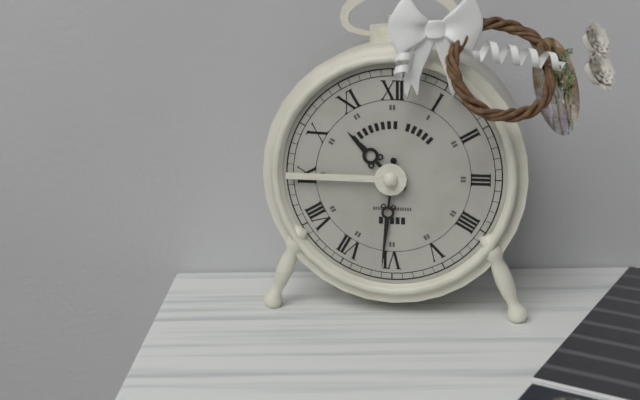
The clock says 10,31
